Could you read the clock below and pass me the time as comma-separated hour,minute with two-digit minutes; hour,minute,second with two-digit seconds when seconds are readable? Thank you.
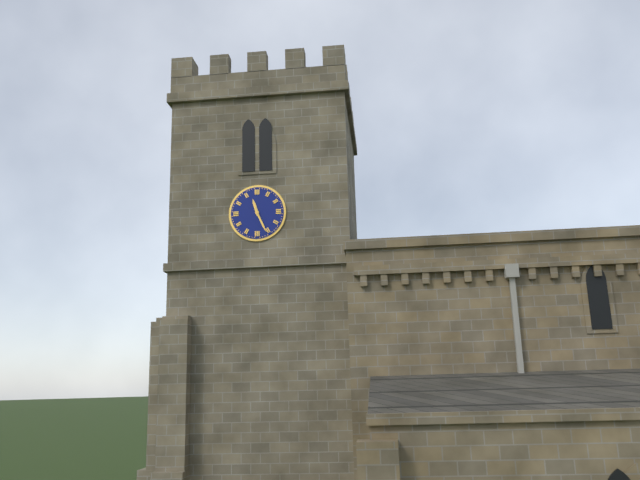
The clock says 11,26
